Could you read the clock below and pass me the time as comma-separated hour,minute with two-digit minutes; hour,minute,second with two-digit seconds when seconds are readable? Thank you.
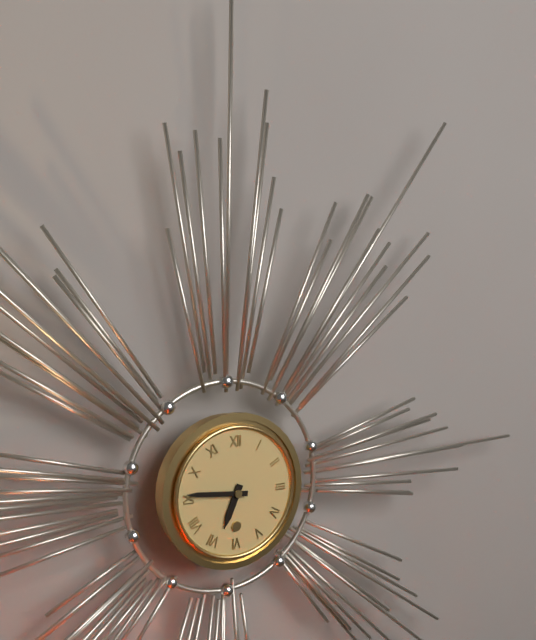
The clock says 6,46
